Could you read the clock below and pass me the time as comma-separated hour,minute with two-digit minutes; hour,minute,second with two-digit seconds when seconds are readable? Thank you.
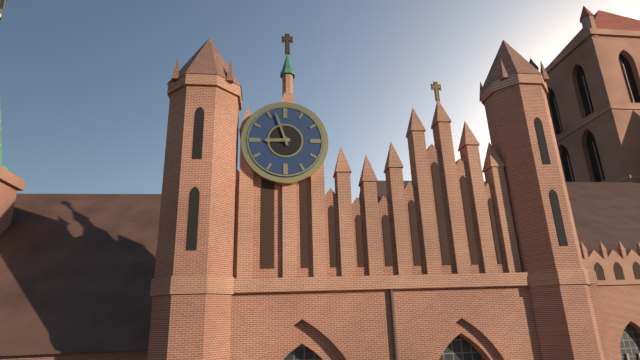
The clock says 8,57
